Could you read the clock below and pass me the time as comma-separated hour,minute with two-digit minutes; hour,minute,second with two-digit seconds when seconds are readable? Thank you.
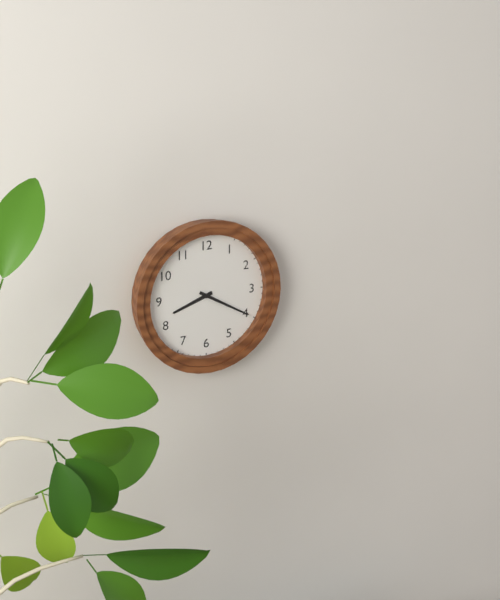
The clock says 8,20
